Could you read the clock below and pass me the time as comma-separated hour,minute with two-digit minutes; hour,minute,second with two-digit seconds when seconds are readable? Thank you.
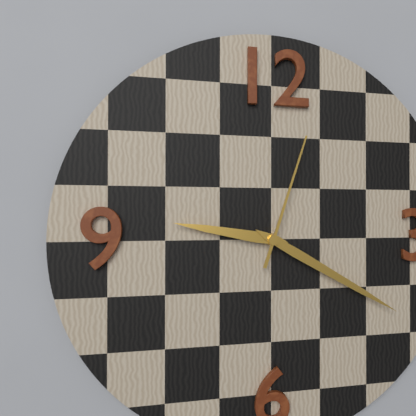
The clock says 9,20,03
